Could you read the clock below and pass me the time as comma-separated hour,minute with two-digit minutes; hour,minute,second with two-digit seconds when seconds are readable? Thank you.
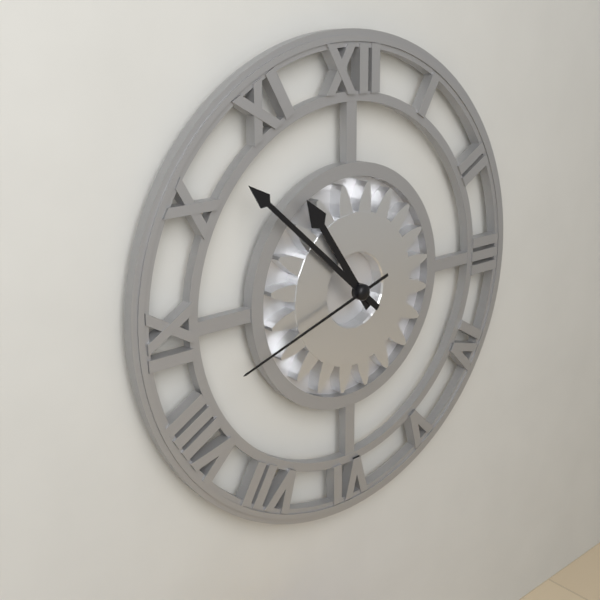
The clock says 10,52,42
